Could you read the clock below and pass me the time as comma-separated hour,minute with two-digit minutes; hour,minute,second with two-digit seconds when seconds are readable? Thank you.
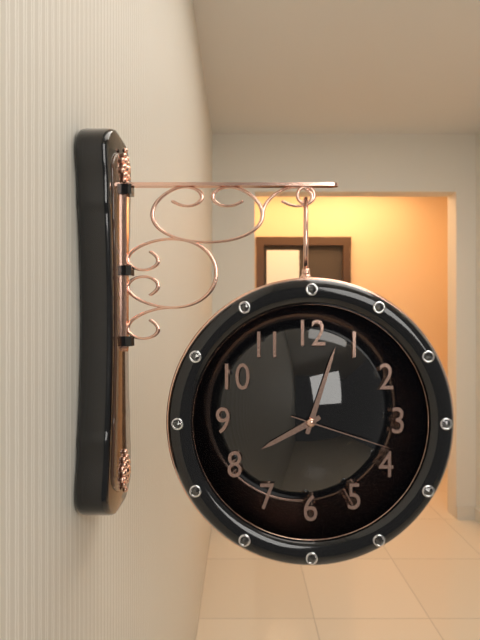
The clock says 8,03,18
